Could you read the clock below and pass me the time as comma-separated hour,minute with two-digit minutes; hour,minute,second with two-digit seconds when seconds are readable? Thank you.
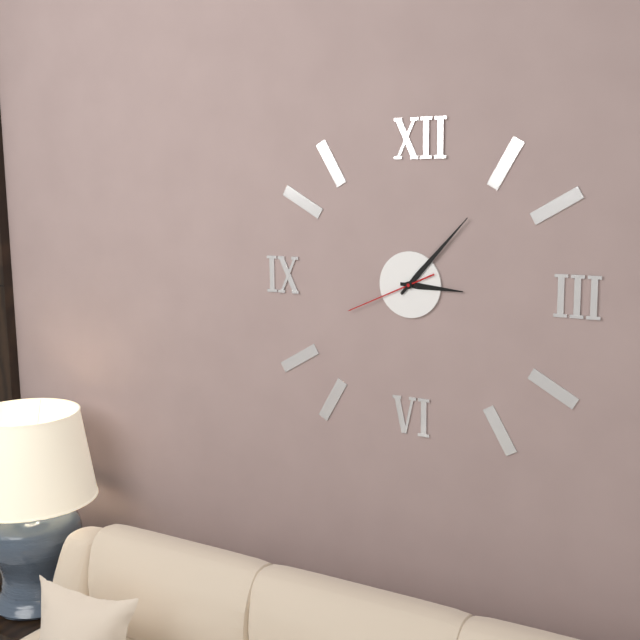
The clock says 3,07,41
